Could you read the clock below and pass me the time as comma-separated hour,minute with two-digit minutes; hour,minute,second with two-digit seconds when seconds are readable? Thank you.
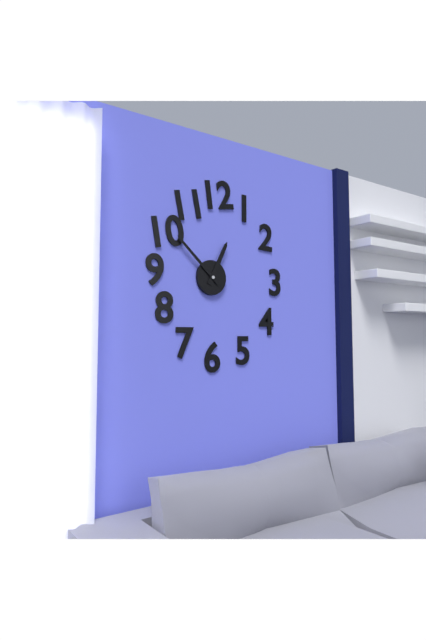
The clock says 12,52
